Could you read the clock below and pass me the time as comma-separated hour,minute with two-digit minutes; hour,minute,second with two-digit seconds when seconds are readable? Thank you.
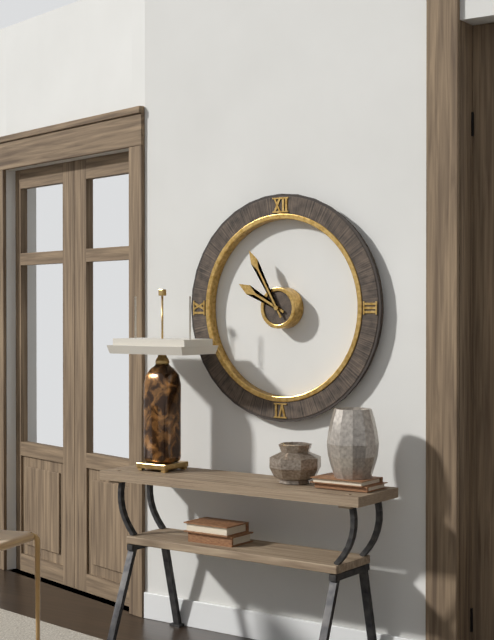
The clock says 9,55
